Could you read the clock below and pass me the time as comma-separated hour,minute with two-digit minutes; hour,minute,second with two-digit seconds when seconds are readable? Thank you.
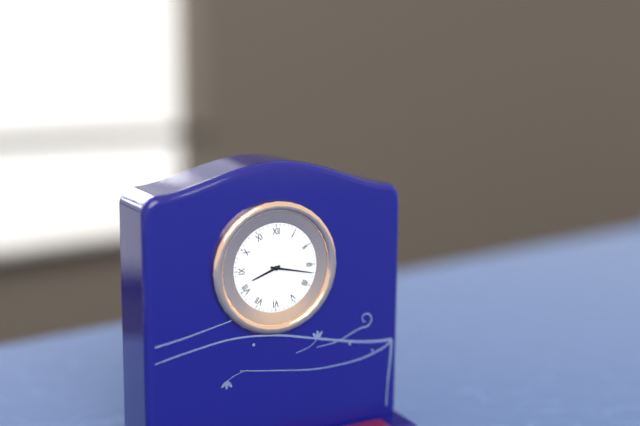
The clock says 8,17
